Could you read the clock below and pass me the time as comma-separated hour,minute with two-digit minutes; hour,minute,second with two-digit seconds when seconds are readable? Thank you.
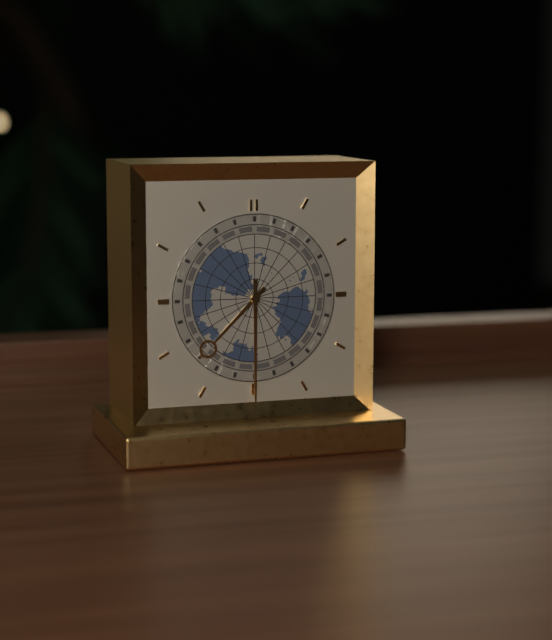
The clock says 7,30
